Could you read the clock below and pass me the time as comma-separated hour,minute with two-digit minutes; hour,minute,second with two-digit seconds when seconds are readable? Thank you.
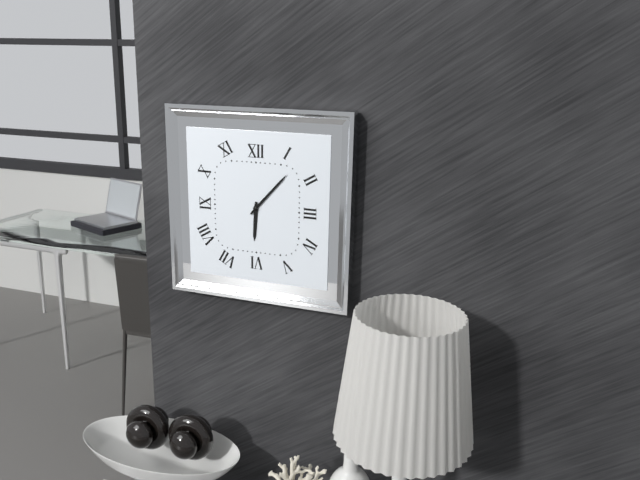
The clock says 6,07
